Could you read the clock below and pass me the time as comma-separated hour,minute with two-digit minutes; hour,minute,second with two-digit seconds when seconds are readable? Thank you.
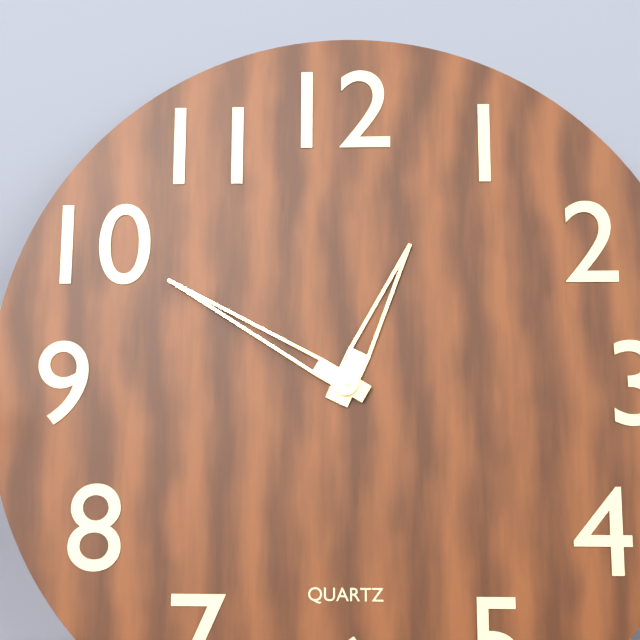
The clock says 12,50
